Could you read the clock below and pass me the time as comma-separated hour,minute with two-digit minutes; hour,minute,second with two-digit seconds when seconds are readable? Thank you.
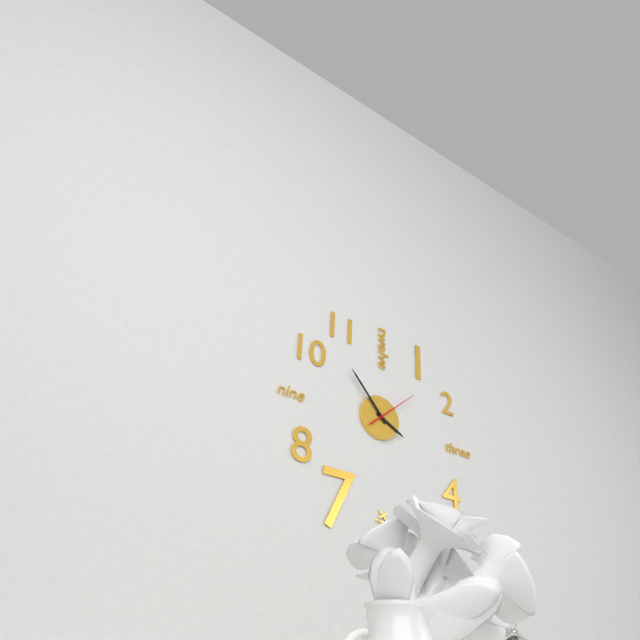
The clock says 3,53
